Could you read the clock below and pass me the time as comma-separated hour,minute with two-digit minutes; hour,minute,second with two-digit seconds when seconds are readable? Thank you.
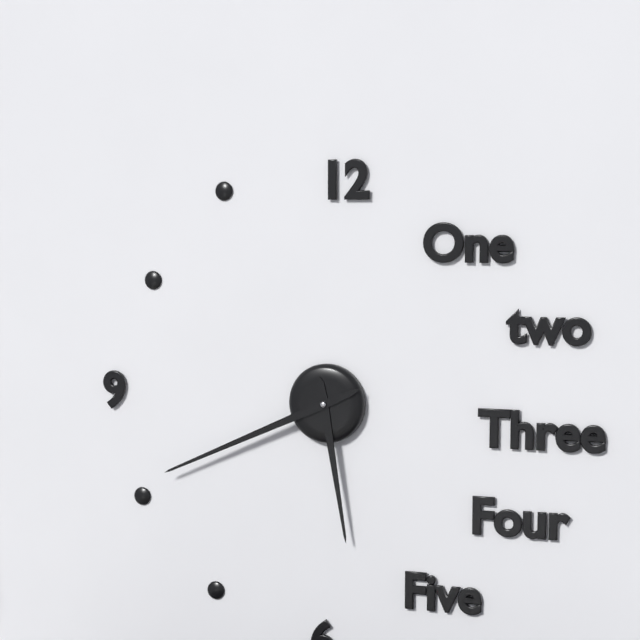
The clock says 5,41
